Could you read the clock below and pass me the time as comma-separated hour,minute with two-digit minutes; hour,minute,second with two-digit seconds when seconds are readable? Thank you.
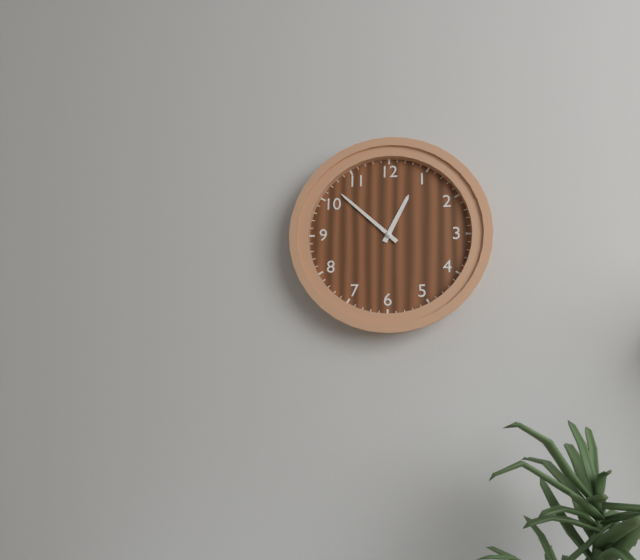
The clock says 12,52
